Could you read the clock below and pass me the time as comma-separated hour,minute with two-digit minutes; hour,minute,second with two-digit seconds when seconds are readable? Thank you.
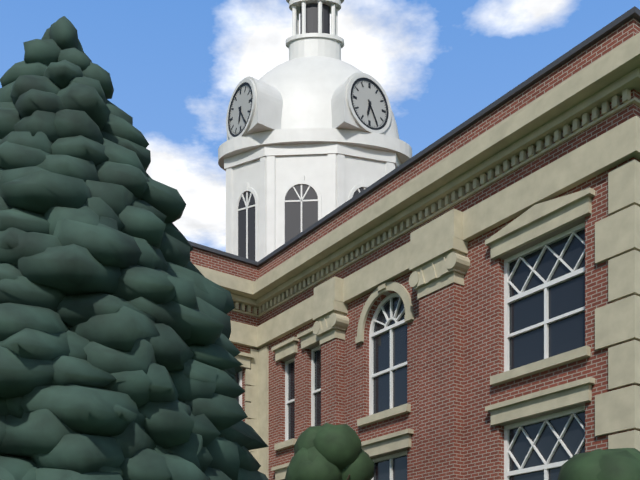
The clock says 6,25
